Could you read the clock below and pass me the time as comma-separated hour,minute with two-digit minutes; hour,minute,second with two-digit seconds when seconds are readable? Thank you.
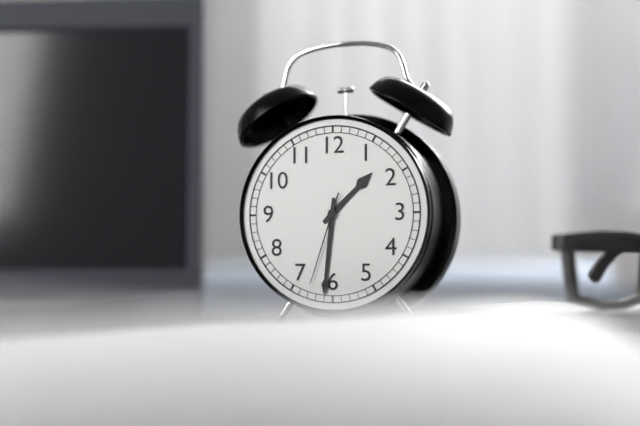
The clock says 1,31,33
